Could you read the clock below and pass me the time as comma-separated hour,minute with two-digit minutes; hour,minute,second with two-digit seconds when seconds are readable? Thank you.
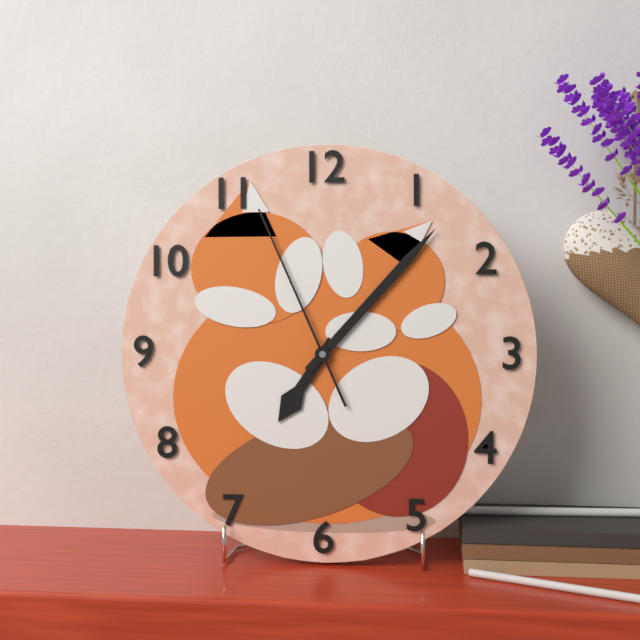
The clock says 7,07,56
